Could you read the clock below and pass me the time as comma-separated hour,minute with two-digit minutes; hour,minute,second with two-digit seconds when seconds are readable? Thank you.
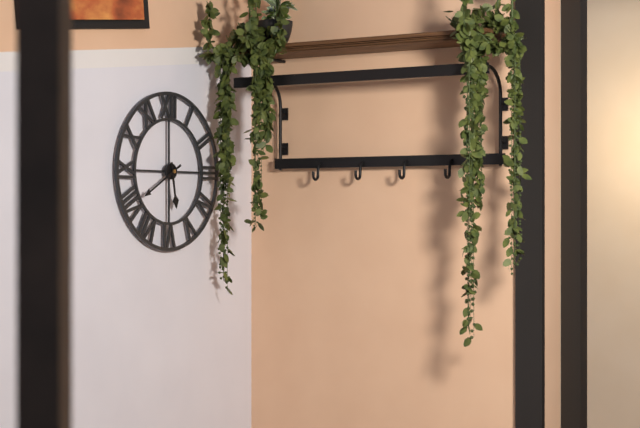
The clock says 5,40
